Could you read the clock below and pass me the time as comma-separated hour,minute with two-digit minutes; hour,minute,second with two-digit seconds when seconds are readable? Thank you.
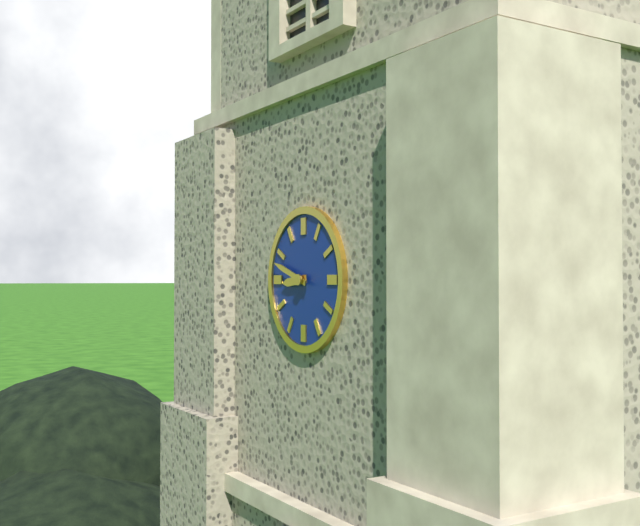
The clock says 8,48
